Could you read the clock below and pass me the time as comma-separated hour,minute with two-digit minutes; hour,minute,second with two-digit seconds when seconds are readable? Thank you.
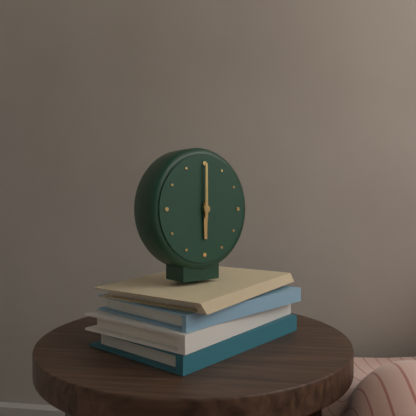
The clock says 6,00
